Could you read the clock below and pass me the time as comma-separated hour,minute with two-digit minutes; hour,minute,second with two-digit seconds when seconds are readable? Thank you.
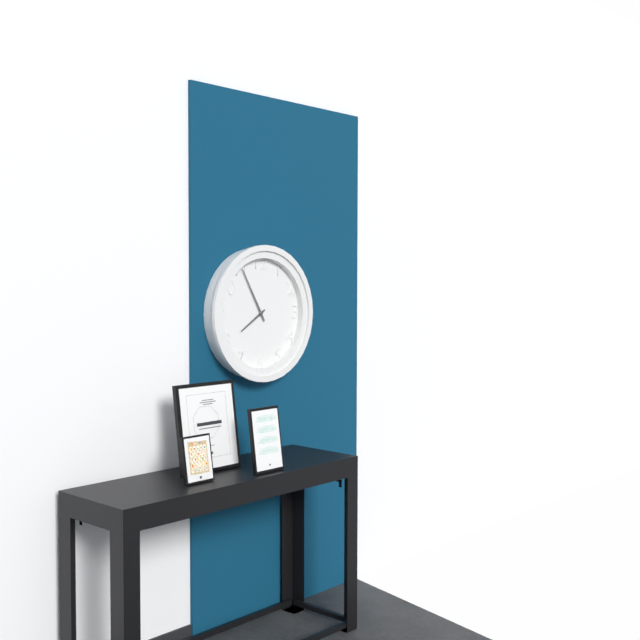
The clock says 7,55
